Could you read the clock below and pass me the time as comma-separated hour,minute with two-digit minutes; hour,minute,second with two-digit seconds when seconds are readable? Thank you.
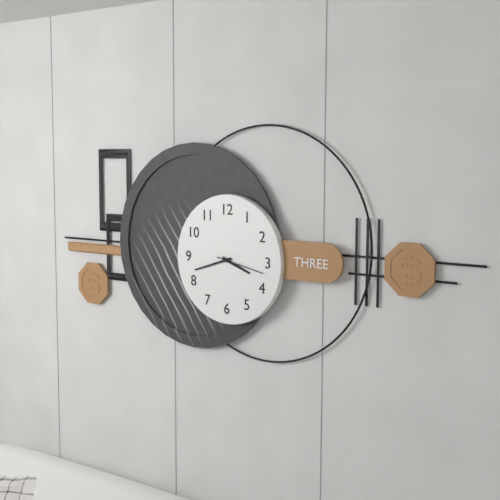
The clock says 3,42
